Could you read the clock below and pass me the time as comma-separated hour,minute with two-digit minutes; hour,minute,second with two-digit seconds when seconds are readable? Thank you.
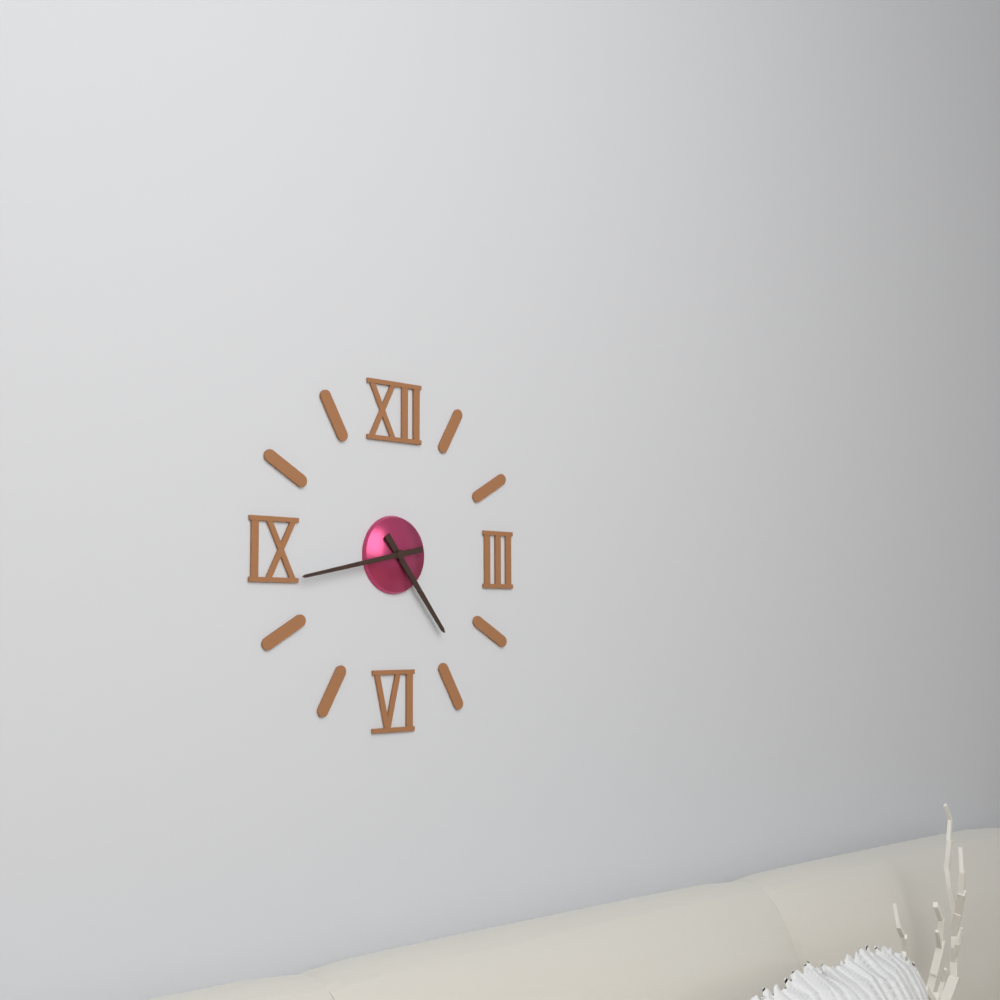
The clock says 4,43
